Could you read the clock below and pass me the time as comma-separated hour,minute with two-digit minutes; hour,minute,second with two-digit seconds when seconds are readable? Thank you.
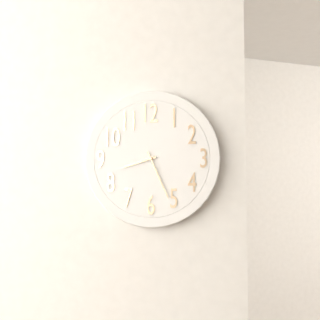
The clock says 8,26
